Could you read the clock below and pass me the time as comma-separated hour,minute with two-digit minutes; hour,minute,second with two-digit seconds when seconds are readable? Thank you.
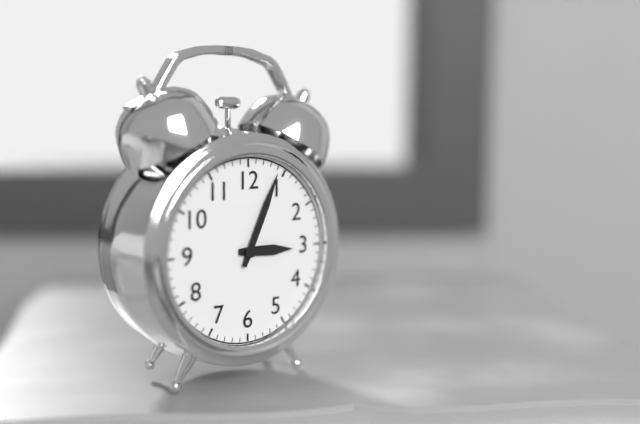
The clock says 3,04
